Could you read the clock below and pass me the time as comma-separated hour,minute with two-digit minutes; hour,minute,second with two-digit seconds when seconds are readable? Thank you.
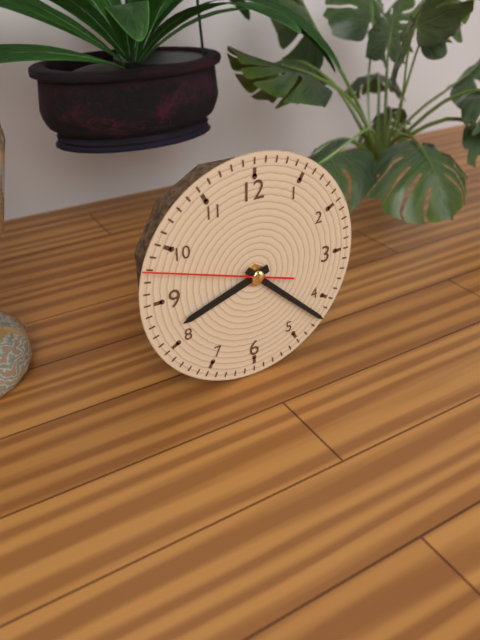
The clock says 8,22,48
